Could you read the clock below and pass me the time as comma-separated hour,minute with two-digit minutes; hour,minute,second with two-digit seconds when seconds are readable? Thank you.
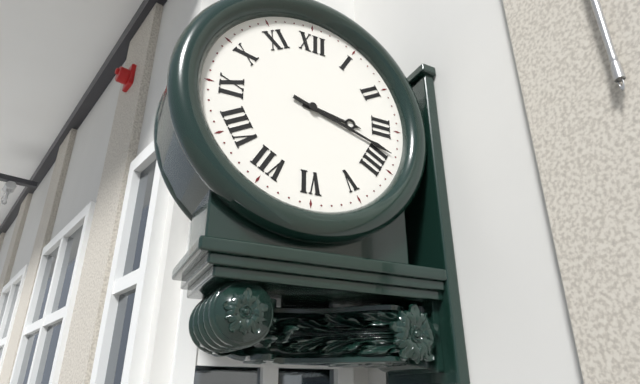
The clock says 3,18
